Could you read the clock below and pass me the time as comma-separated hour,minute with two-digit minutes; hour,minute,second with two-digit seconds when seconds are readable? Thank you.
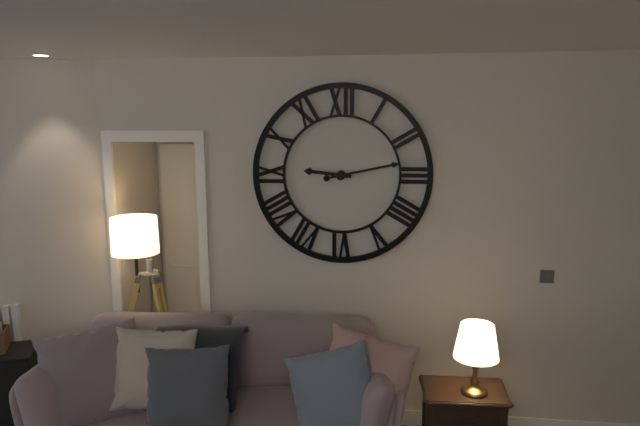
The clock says 9,13
